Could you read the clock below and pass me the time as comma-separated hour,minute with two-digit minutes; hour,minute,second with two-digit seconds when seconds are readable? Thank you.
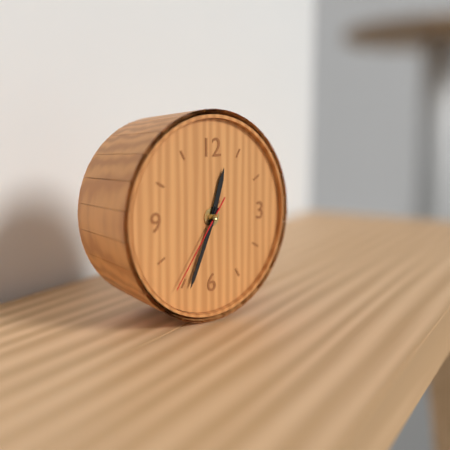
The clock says 12,34,36
